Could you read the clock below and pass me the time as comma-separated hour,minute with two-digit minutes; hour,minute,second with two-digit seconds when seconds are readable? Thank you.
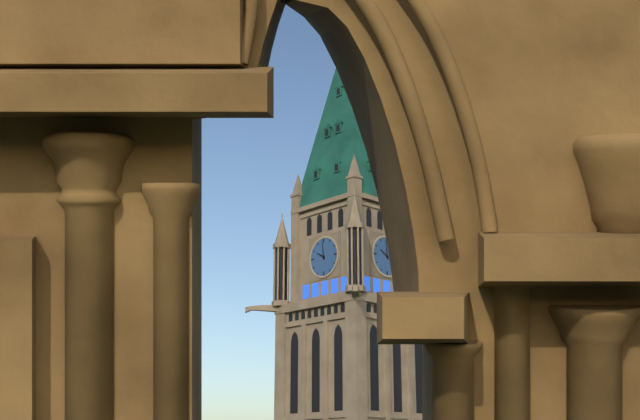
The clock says 9,59
